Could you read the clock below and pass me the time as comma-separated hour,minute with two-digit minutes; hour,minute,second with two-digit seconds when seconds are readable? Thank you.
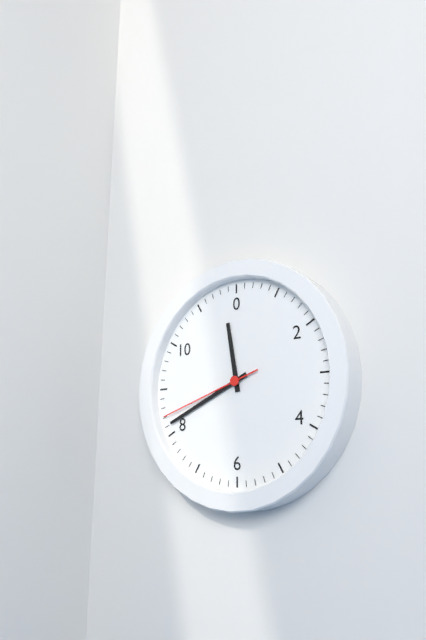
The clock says 11,41,42
